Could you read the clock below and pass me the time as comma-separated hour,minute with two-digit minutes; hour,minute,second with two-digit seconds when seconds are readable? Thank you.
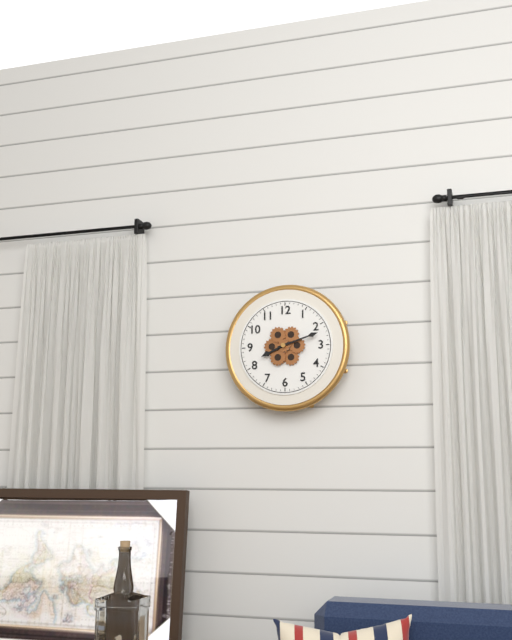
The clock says 8,12
